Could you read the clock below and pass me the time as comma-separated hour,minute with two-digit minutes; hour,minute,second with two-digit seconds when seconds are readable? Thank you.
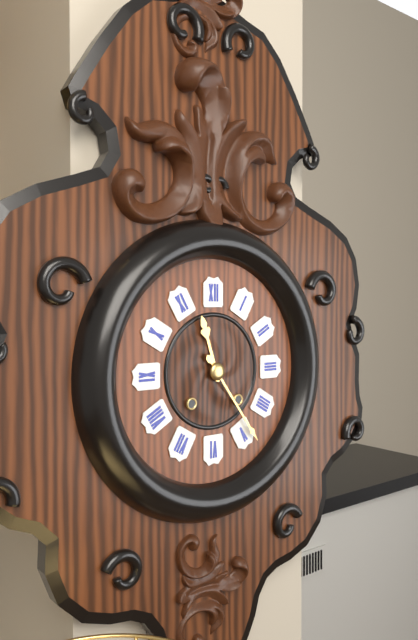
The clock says 11,24
